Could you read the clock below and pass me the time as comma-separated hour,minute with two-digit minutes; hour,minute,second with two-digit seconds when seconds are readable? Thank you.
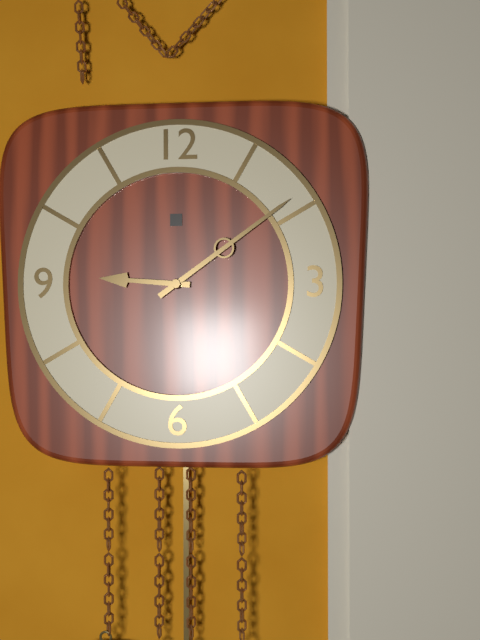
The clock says 9,09
